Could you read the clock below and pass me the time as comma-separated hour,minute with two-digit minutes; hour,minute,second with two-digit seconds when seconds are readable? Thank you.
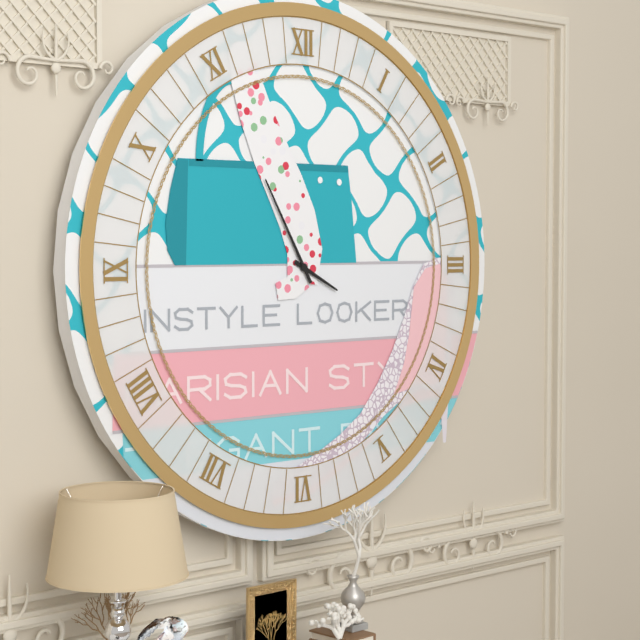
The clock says 3,55
